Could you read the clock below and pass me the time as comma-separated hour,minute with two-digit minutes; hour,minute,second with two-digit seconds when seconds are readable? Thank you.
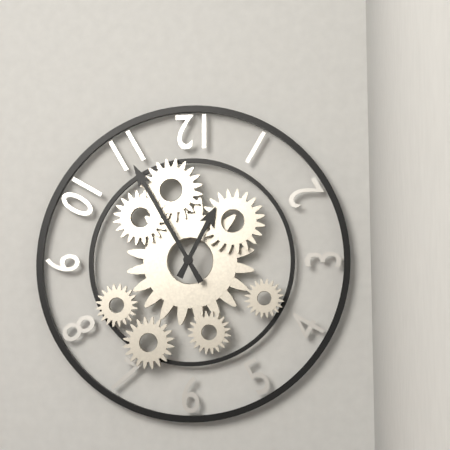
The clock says 12,55
